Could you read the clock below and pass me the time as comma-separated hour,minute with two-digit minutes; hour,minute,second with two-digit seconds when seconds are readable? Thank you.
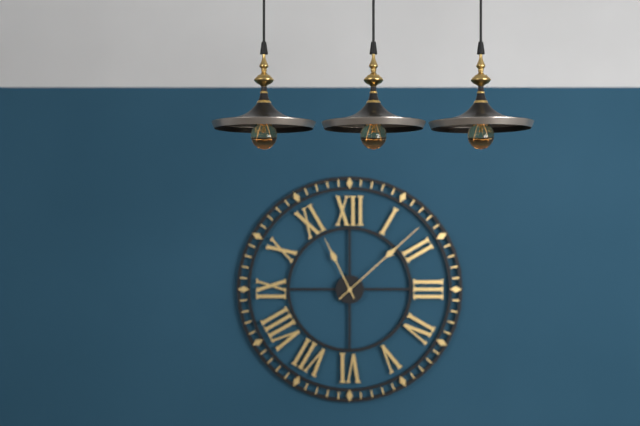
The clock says 11,08
